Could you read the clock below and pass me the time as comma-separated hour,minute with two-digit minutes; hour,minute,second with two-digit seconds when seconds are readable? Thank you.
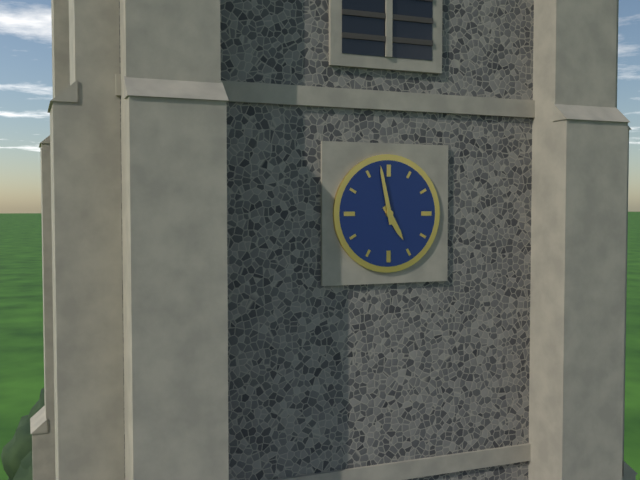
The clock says 4,58
